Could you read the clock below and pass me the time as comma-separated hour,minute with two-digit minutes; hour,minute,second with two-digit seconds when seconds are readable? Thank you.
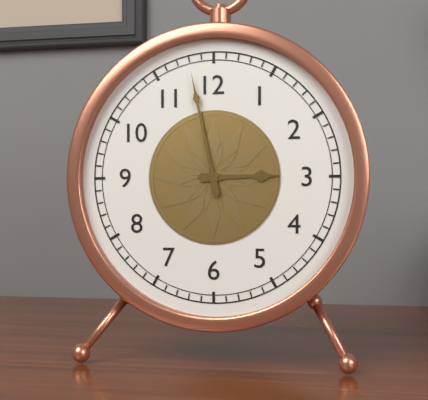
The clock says 2,58
